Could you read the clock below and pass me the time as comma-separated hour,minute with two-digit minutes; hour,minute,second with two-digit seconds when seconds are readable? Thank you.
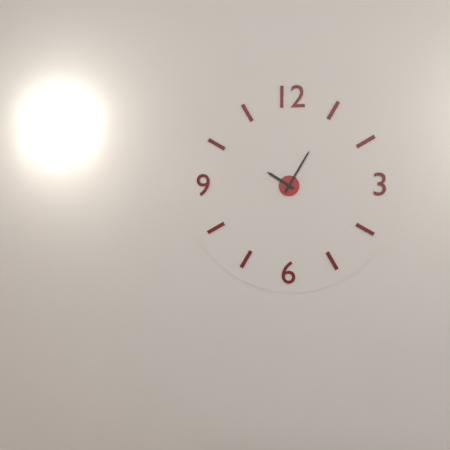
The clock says 10,05
